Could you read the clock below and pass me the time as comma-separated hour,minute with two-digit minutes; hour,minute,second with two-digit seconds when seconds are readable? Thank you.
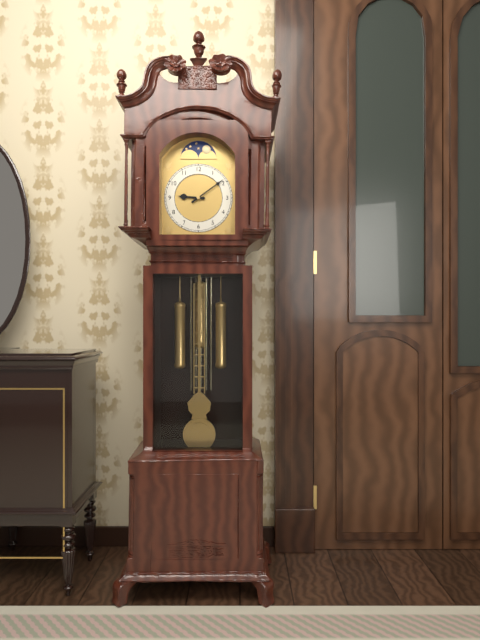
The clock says 9,09
